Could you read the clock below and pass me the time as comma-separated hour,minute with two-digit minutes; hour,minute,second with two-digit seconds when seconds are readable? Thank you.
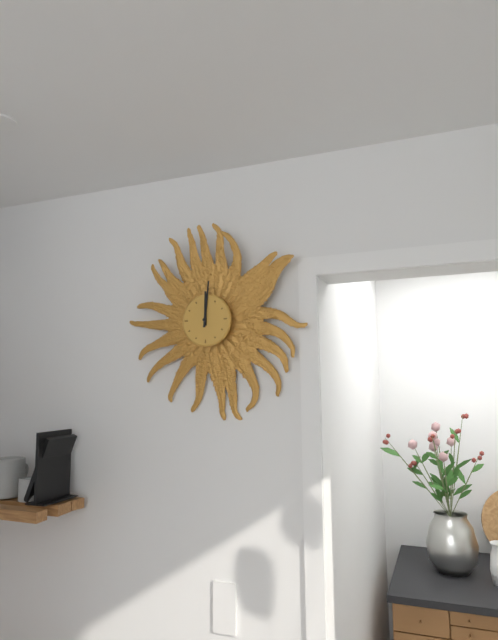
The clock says 12,01
